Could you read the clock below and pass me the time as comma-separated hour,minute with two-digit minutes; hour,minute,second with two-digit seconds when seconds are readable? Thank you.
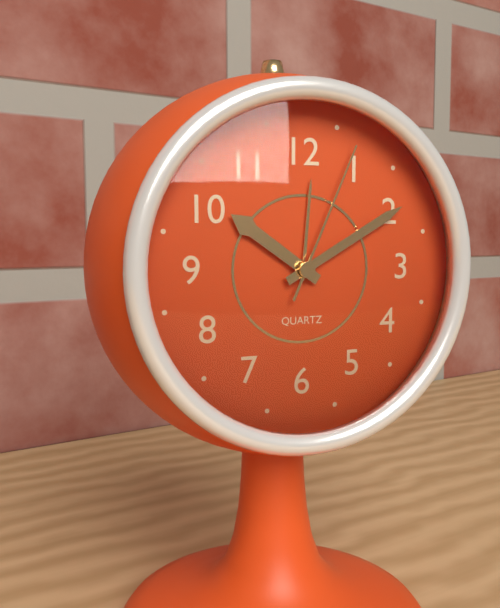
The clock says 10,10,04
